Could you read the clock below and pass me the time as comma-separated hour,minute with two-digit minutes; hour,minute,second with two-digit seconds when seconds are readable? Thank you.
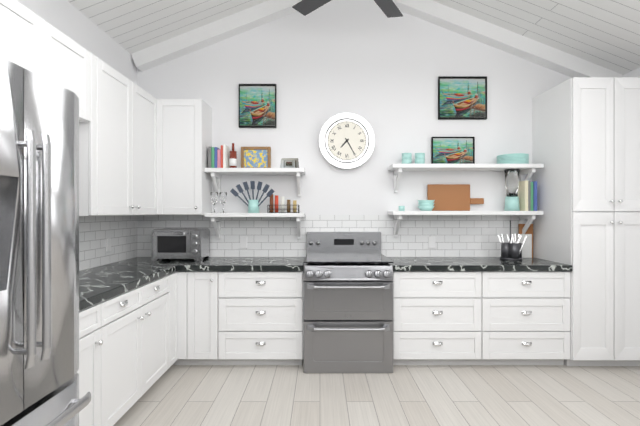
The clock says 7,25
